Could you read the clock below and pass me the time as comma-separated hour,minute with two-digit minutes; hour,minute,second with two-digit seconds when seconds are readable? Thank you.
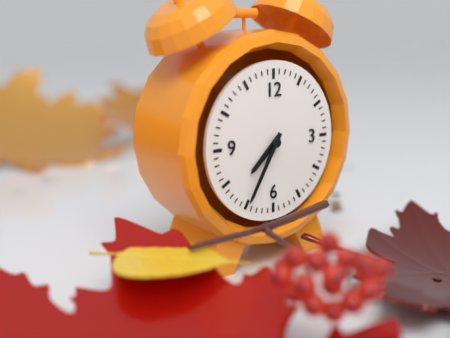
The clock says 7,35
